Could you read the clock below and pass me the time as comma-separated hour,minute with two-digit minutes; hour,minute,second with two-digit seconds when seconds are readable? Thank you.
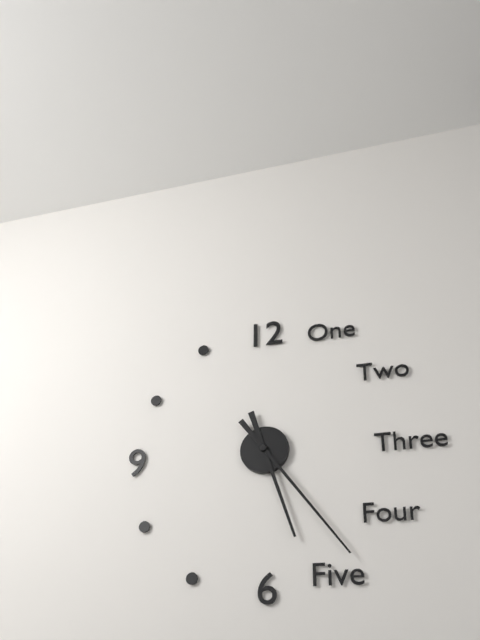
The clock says 5,24
